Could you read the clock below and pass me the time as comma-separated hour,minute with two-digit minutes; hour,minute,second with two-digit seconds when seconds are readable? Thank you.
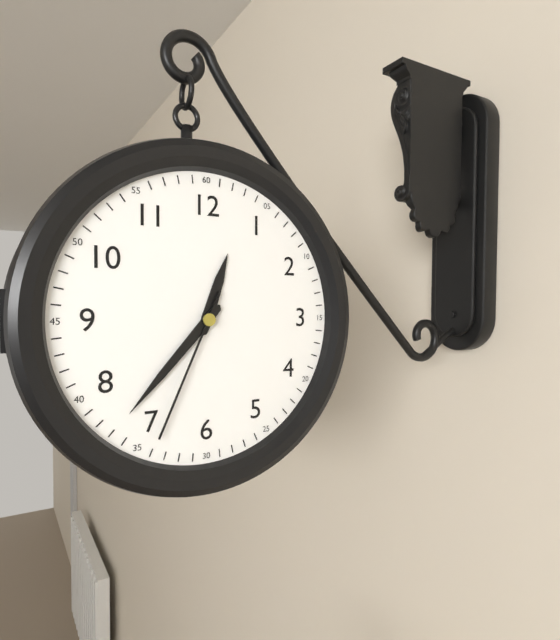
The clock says 12,37,34
